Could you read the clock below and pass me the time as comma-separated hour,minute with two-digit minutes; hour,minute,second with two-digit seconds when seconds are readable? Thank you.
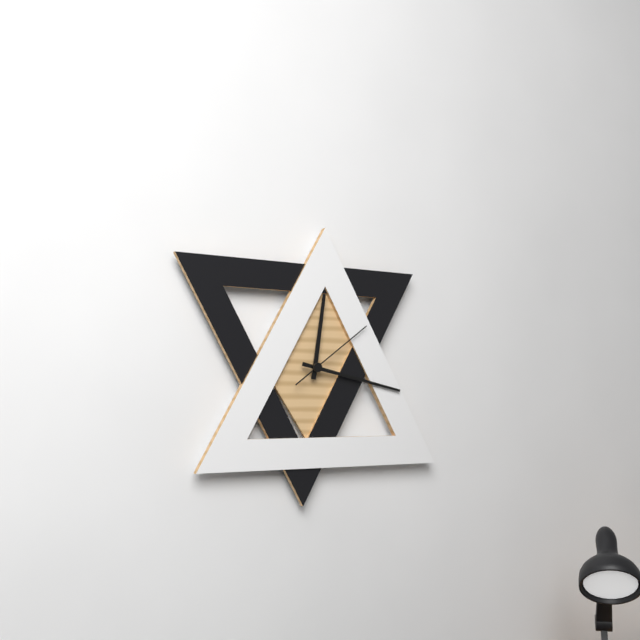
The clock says 12,17,09
